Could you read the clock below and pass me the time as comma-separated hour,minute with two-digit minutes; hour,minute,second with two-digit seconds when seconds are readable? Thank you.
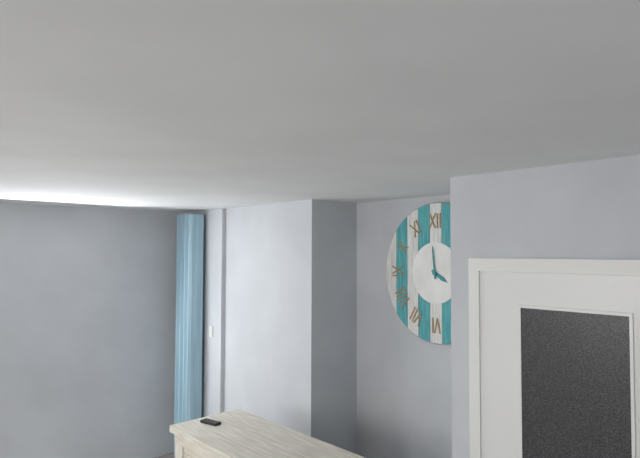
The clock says 3,59
